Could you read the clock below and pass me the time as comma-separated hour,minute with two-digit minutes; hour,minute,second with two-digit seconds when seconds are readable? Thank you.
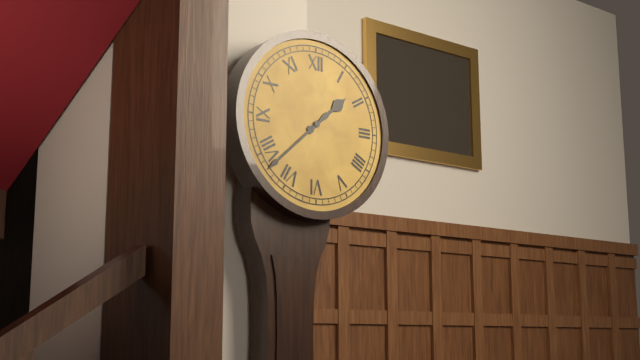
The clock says 1,38
